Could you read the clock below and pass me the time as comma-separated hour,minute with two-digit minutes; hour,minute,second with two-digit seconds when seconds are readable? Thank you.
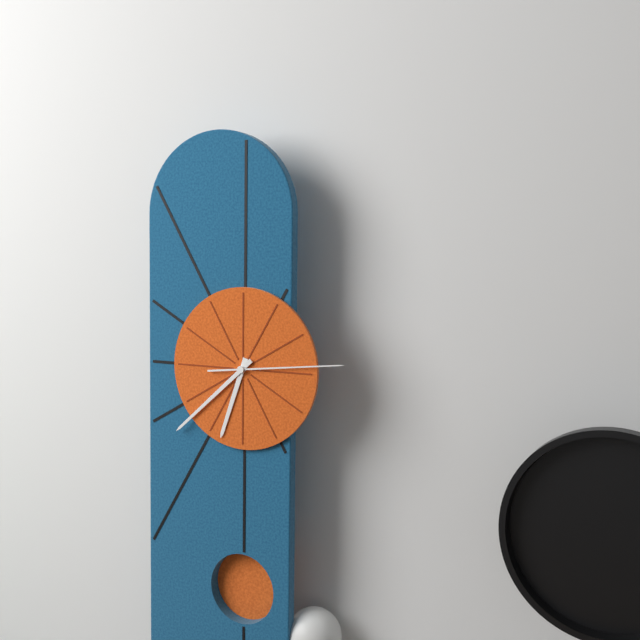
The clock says 6,38,14
